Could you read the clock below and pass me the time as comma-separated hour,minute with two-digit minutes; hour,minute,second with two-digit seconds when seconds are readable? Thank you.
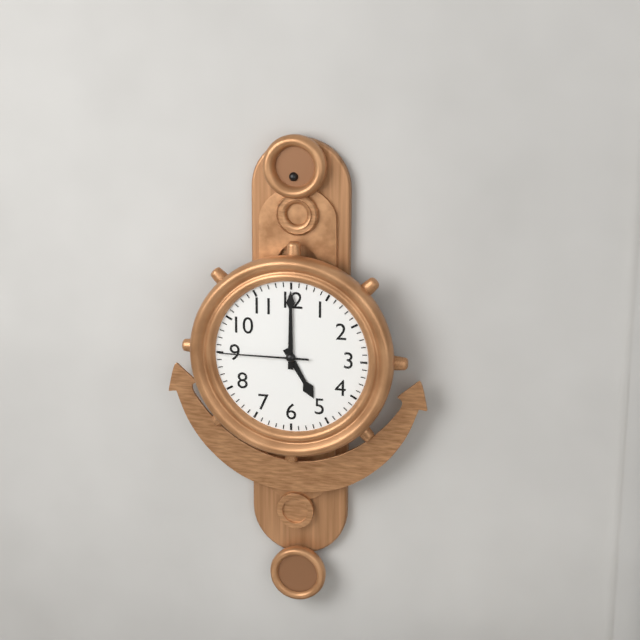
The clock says 5,00,45
